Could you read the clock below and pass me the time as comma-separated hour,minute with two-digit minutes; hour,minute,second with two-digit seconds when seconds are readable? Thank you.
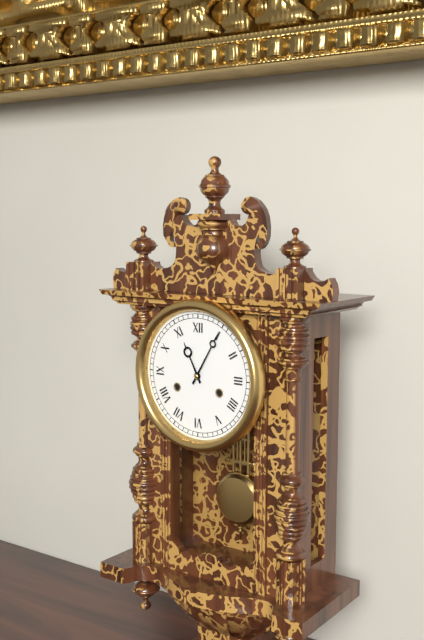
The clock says 11,05
